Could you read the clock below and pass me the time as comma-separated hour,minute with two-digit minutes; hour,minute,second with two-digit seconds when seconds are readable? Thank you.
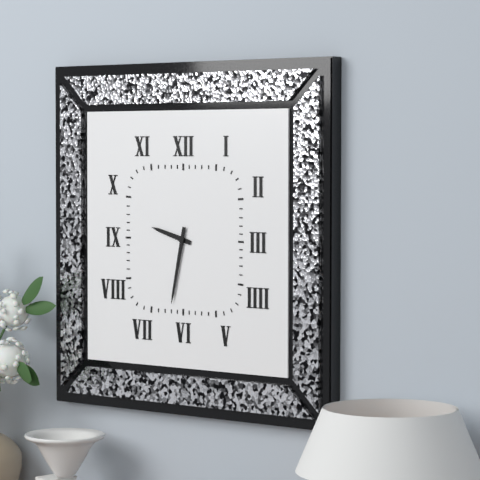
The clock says 9,32
